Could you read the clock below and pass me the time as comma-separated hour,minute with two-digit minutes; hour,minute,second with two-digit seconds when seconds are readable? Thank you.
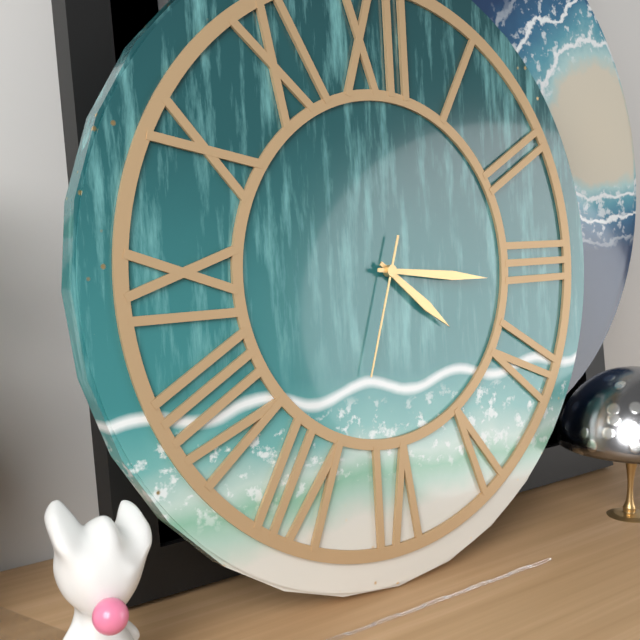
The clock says 4,16,33
